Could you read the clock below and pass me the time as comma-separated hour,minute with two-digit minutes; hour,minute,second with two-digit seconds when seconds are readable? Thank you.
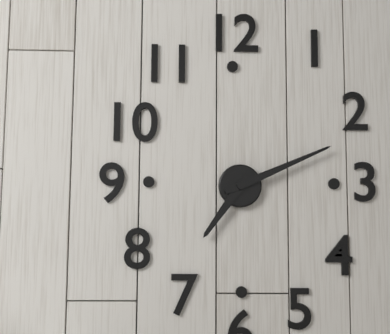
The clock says 7,11
